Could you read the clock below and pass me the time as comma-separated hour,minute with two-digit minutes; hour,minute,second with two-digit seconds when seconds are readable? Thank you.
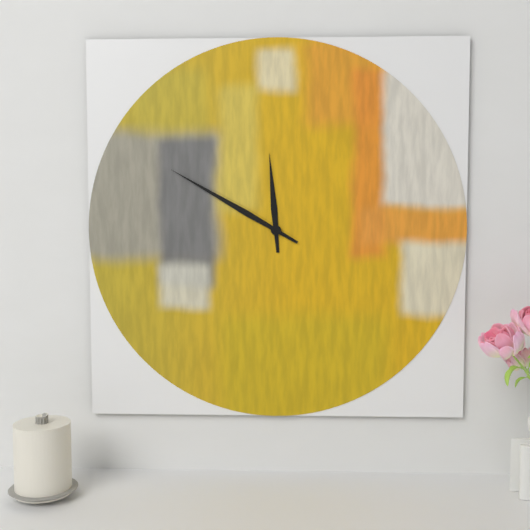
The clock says 11,50
